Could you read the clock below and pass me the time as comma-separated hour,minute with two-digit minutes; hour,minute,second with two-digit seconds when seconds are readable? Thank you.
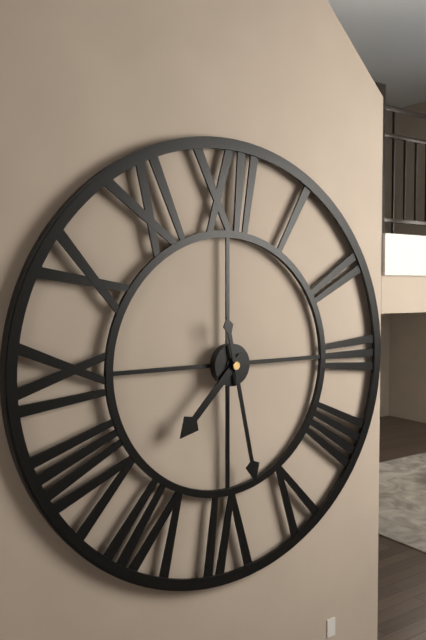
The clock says 7,28
